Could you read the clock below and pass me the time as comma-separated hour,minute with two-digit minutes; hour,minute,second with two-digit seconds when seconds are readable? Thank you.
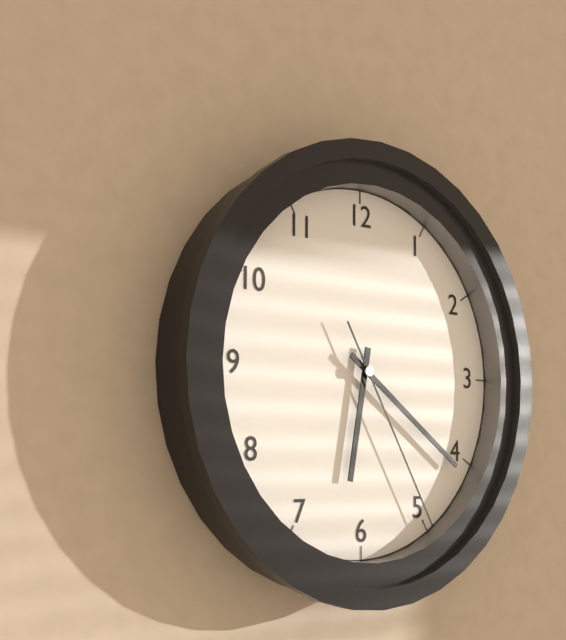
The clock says 6,21,25
